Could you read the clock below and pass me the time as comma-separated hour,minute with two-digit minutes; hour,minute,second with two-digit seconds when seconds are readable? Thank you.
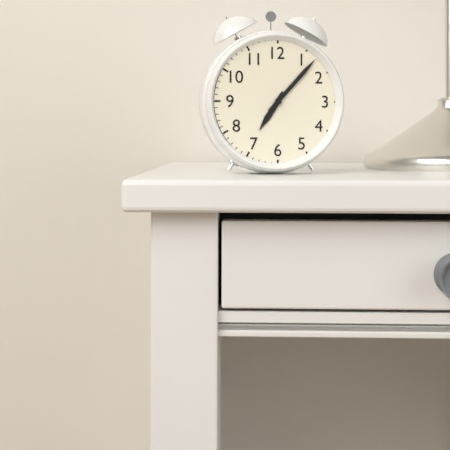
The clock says 7,07
